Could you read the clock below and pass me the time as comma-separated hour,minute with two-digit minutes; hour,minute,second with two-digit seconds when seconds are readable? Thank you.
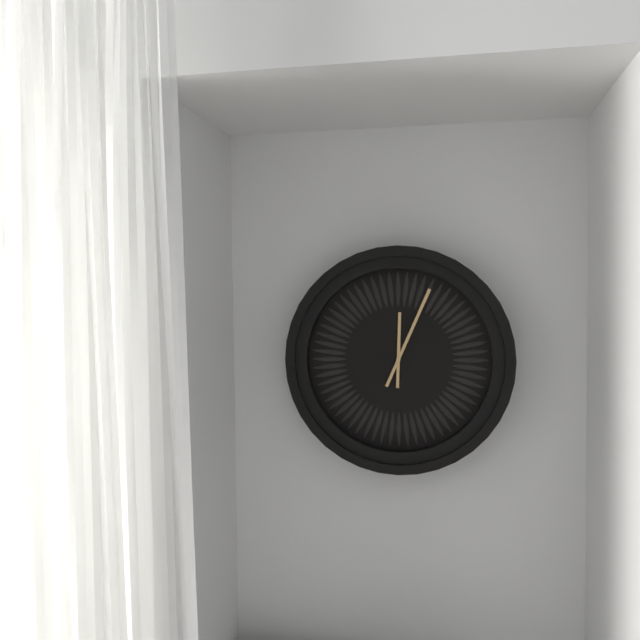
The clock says 12,04
